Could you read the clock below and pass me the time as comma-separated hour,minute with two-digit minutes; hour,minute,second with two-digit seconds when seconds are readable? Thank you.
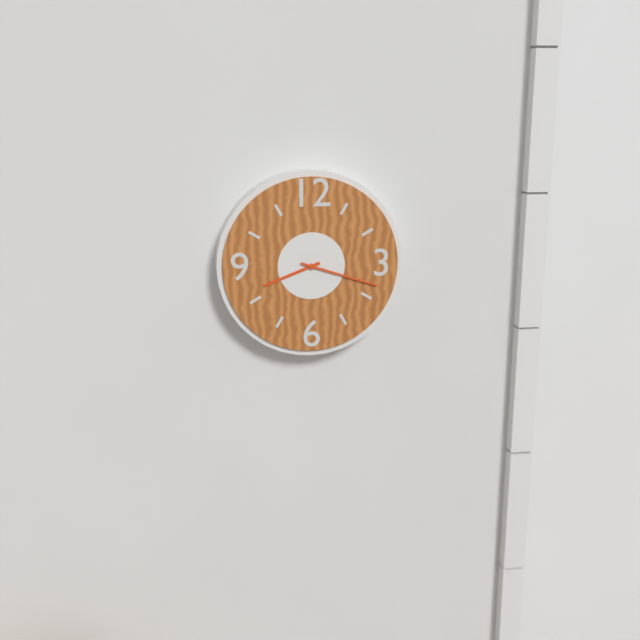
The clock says 8,18
